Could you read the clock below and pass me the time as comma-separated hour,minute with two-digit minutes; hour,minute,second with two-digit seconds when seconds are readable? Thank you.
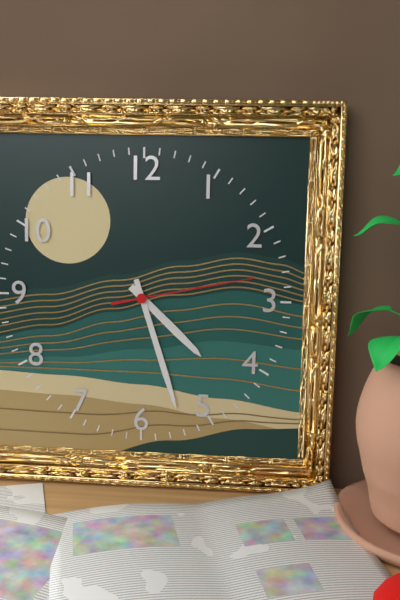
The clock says 4,27,13
